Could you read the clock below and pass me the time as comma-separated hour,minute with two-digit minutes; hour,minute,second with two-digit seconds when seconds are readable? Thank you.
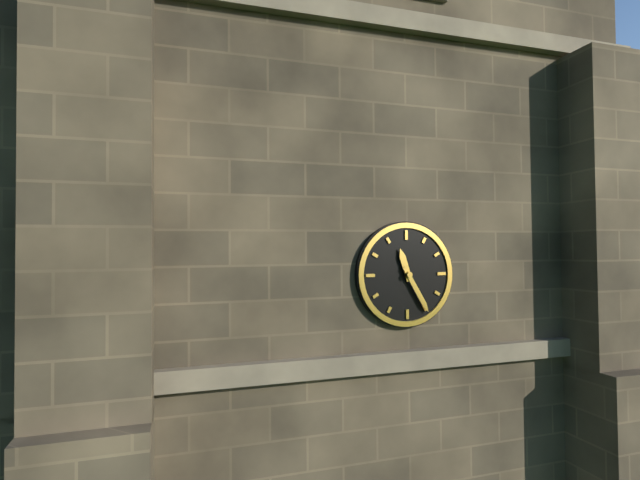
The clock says 11,25
